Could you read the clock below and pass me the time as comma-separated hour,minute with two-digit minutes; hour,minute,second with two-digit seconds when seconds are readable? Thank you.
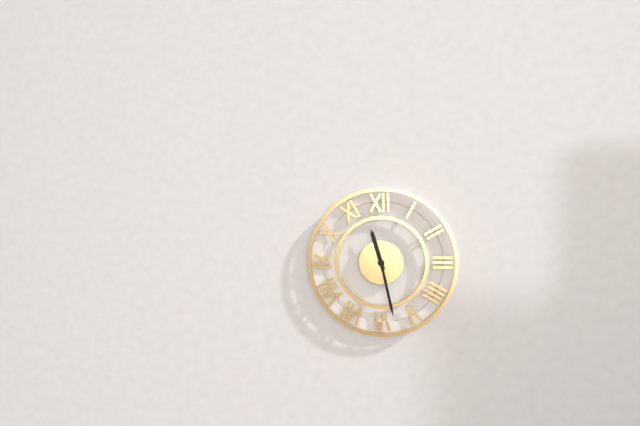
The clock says 11,28
